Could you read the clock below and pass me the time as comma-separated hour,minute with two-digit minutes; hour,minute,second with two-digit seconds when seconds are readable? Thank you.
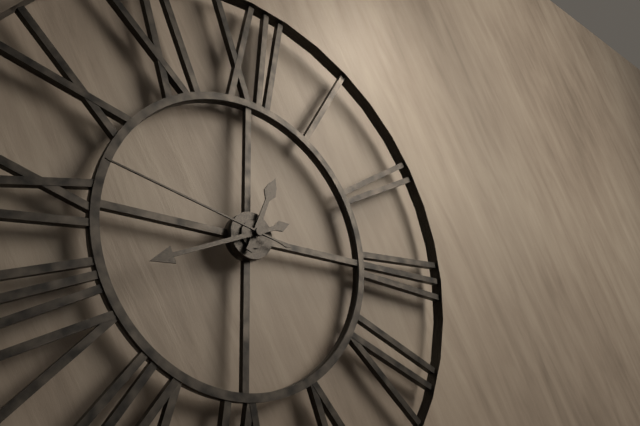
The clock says 12,41,47
